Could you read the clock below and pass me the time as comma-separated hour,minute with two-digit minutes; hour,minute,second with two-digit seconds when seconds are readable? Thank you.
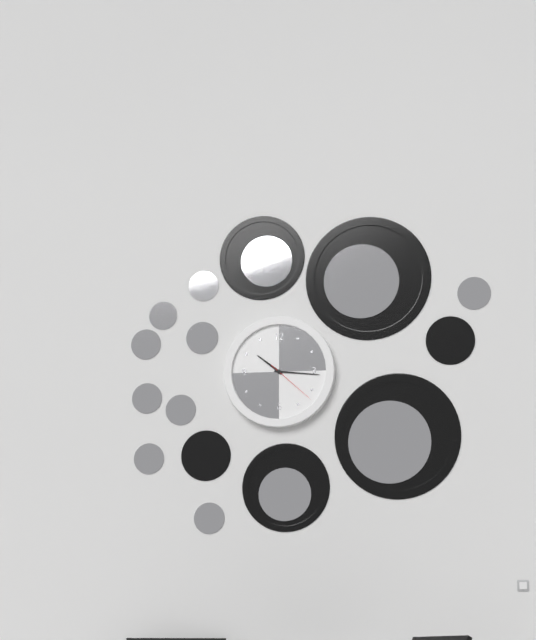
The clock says 10,16,22
